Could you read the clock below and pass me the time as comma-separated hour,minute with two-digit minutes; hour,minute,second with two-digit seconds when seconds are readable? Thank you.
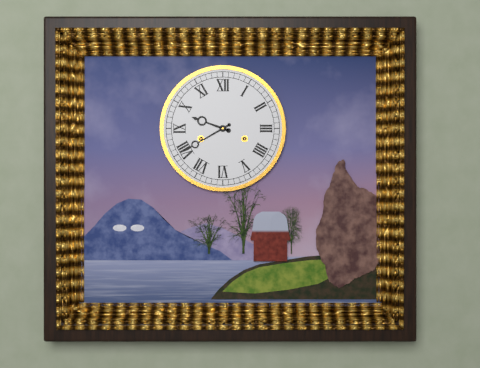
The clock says 9,40
